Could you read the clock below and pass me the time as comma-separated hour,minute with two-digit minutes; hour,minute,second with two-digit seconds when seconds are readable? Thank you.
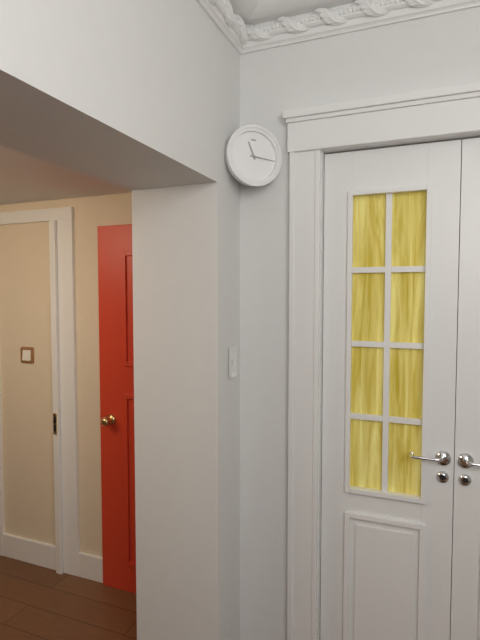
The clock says 11,16
